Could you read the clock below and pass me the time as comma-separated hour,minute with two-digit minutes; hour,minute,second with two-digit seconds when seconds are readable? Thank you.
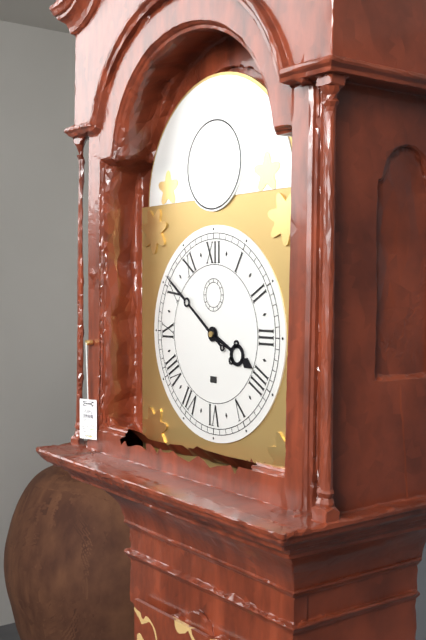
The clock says 3,51
